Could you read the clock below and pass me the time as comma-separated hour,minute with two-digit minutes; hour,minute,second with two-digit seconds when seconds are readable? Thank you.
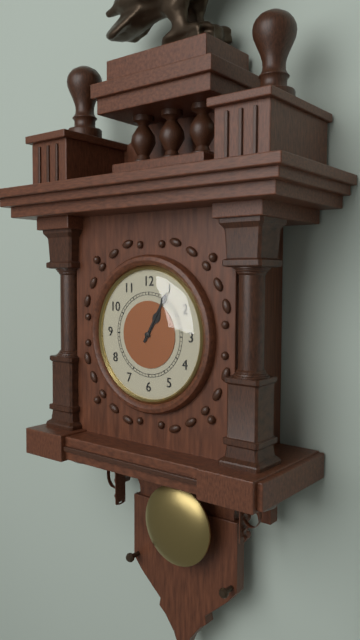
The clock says 1,05
